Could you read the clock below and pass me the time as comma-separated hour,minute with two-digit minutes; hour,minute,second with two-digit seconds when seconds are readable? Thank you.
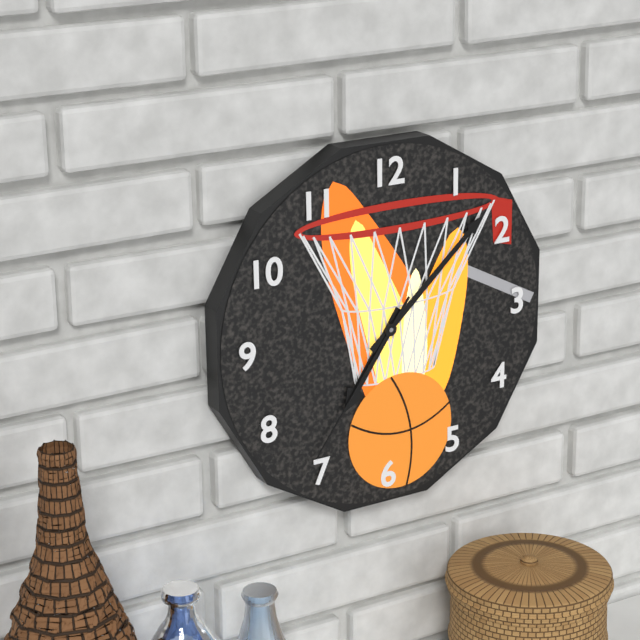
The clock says 7,08,36
